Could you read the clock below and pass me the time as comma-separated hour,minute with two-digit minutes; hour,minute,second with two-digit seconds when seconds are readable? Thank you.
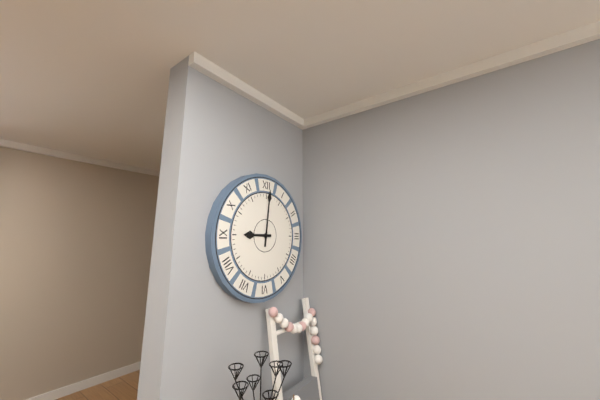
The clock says 9,01
